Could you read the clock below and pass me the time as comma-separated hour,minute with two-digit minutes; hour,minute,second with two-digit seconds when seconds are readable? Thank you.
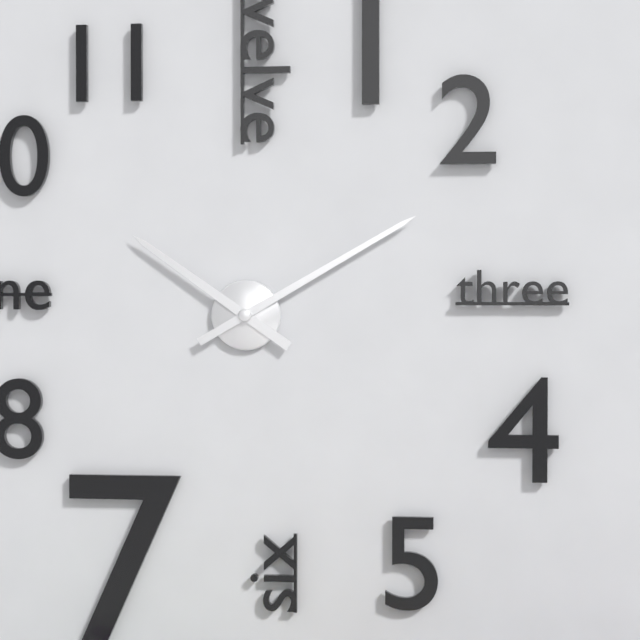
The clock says 10,10
